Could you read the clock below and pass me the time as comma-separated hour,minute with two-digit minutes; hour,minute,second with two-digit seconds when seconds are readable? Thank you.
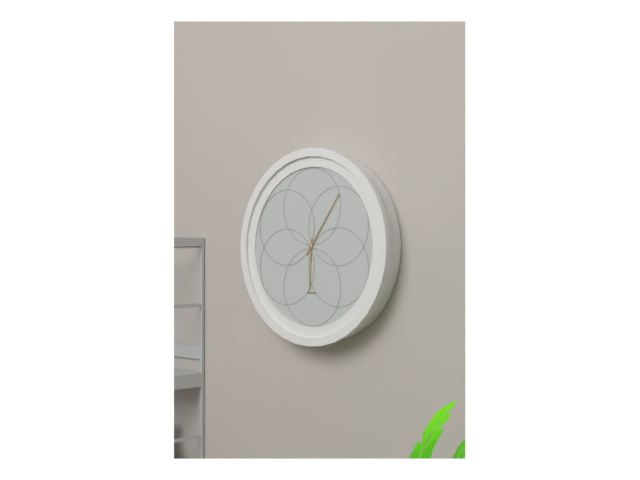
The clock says 6,06
